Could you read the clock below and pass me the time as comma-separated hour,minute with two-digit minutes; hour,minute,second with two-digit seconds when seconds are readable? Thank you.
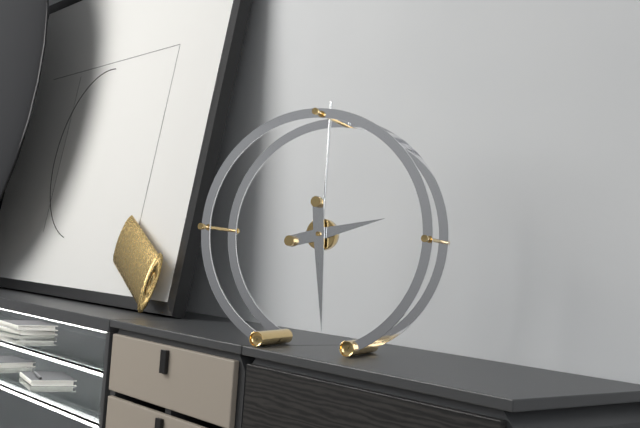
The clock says 2,29
